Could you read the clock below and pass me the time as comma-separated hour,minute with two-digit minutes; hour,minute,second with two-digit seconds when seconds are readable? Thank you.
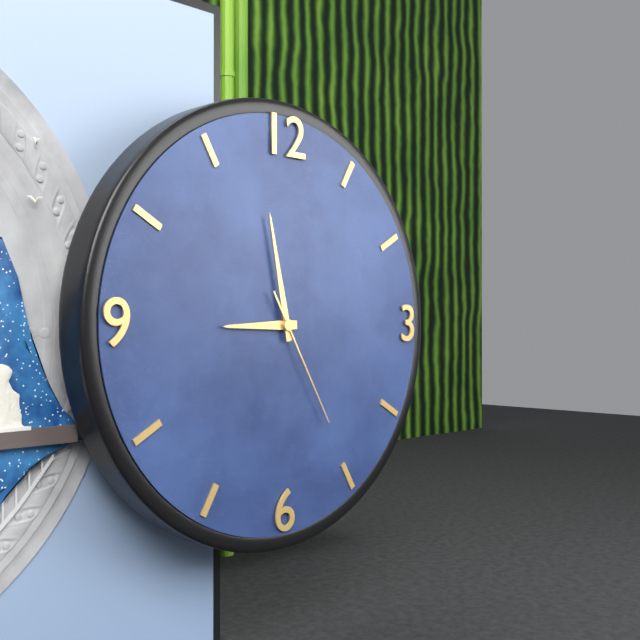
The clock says 8,58,25
